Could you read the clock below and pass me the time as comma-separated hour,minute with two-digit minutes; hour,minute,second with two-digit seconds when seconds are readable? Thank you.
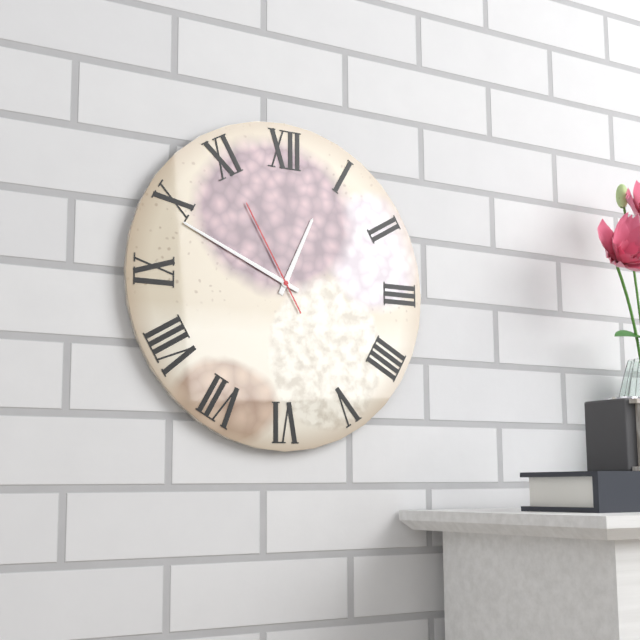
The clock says 12,49,55
